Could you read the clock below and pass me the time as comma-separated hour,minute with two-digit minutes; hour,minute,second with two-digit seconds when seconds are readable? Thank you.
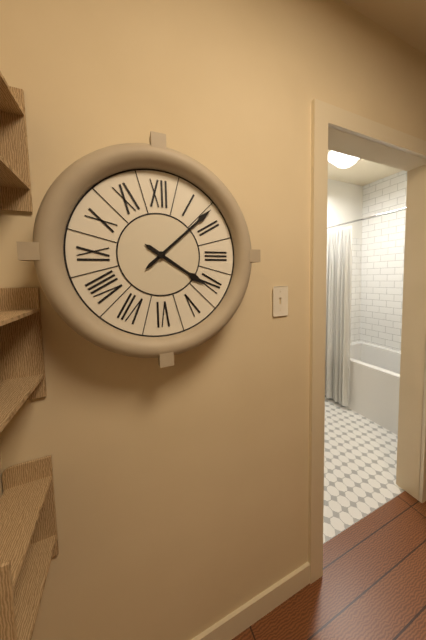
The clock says 4,08
